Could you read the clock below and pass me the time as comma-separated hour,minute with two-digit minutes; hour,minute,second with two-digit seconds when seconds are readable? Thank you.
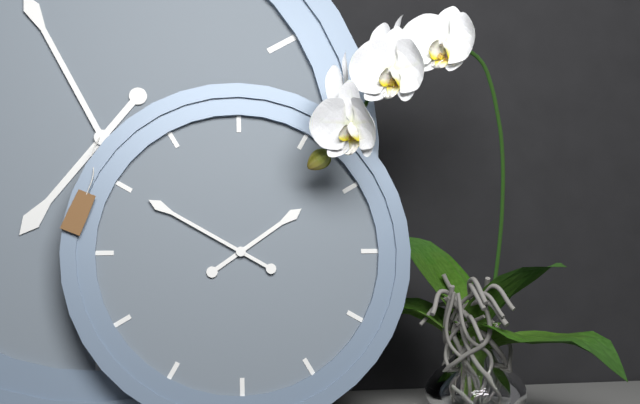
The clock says 1,50
